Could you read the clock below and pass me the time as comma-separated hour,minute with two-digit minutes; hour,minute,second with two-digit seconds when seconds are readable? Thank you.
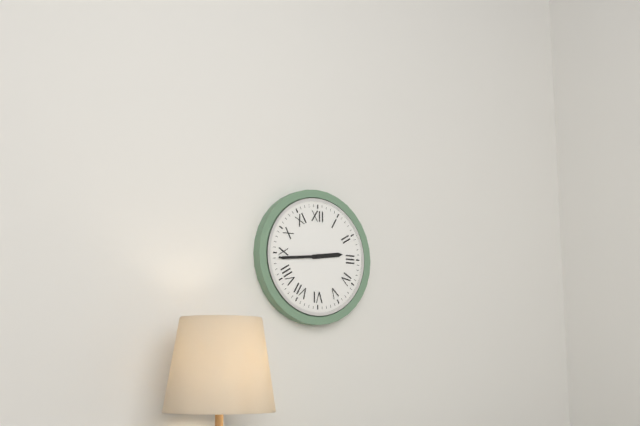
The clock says 2,44
